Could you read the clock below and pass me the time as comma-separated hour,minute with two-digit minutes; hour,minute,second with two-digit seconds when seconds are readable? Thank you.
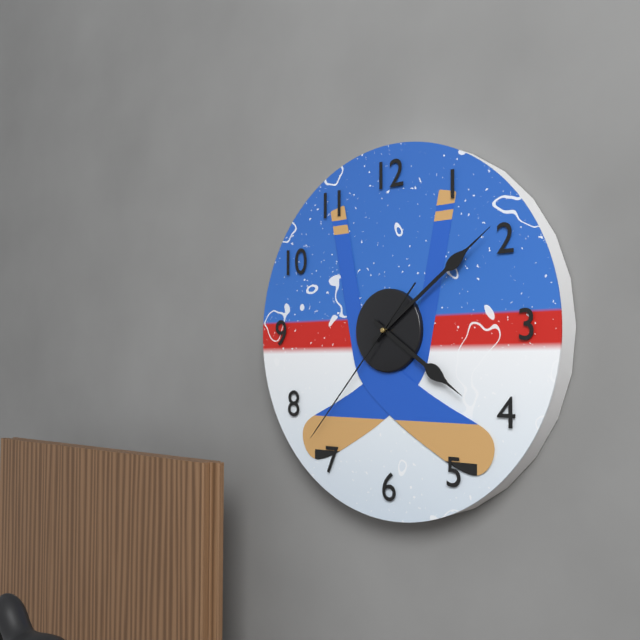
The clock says 4,09,37
